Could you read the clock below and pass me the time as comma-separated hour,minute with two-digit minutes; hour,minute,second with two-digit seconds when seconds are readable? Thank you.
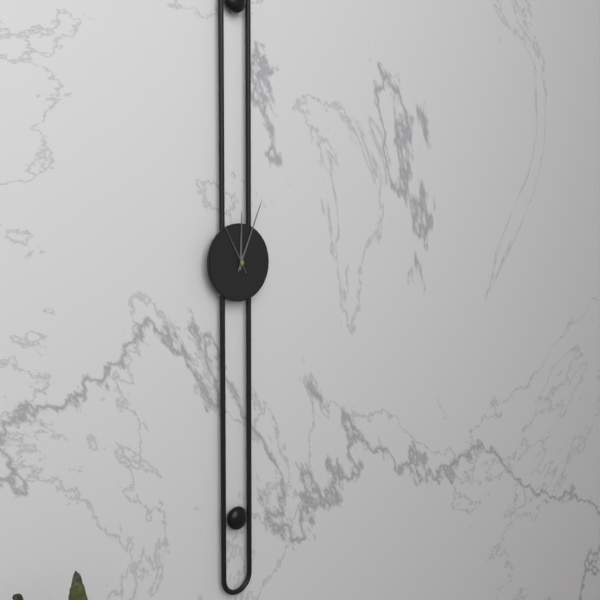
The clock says 12,04,55
